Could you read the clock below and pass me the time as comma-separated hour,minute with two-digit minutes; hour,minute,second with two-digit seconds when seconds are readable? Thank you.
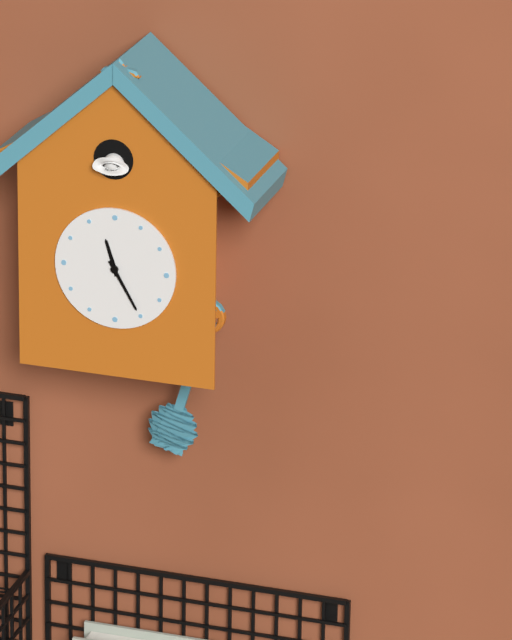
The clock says 11,25
